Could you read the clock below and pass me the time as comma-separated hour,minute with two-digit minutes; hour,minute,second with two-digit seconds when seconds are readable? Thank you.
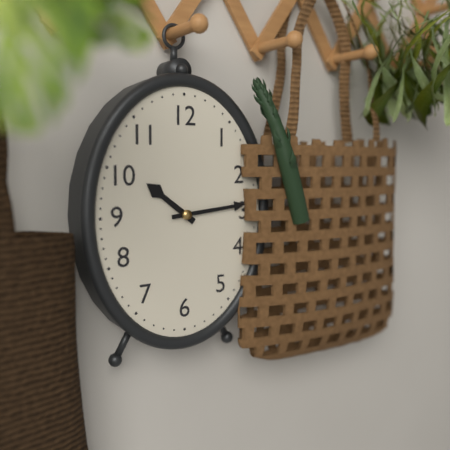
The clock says 10,14
